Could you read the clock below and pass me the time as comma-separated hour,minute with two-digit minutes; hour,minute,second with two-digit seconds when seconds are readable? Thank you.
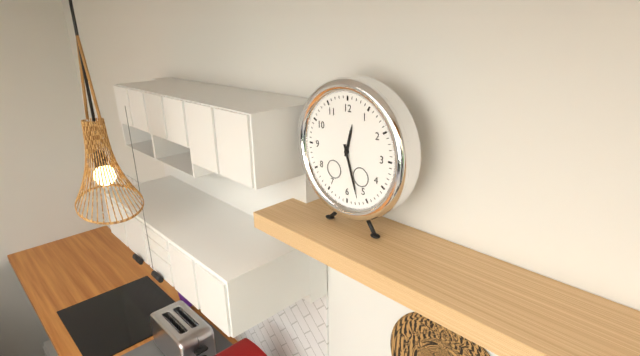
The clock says 12,27
